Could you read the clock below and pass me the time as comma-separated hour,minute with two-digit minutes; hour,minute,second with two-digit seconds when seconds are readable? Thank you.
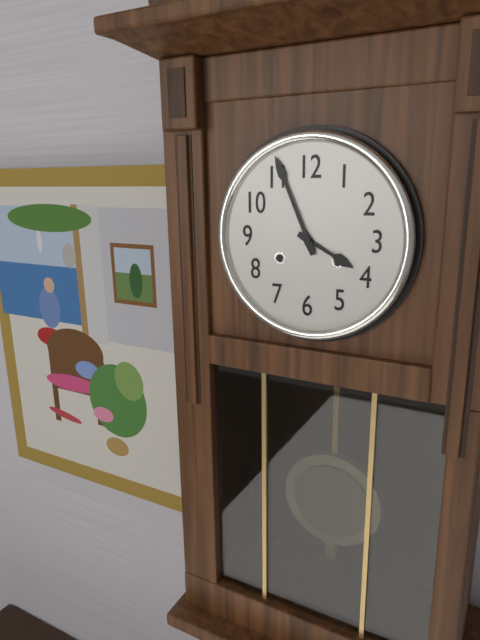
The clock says 3,56
